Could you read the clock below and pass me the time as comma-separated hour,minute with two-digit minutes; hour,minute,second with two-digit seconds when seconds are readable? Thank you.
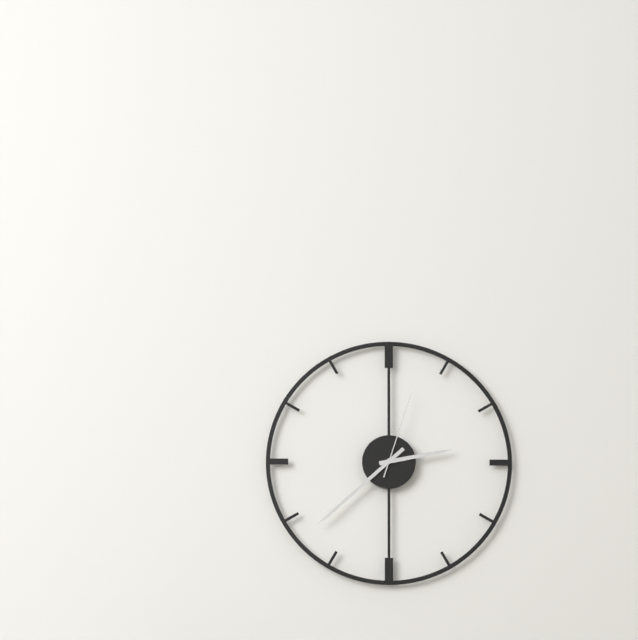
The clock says 2,38,03
